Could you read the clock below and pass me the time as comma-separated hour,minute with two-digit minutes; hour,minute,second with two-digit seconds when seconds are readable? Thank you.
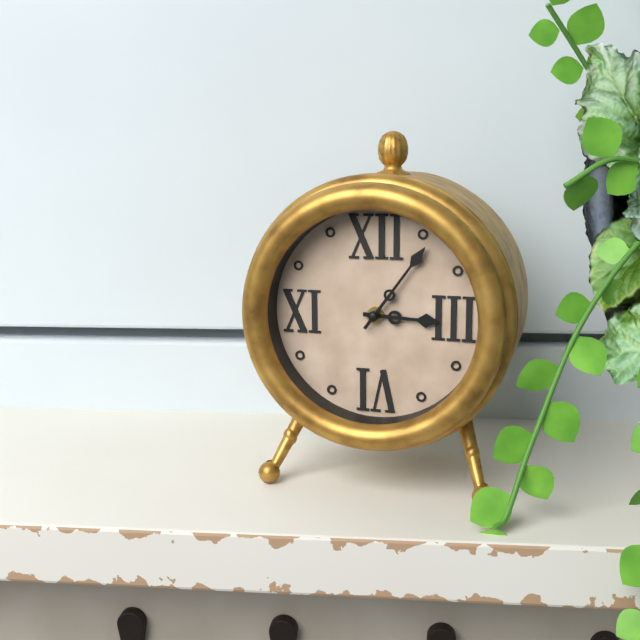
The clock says 3,06
